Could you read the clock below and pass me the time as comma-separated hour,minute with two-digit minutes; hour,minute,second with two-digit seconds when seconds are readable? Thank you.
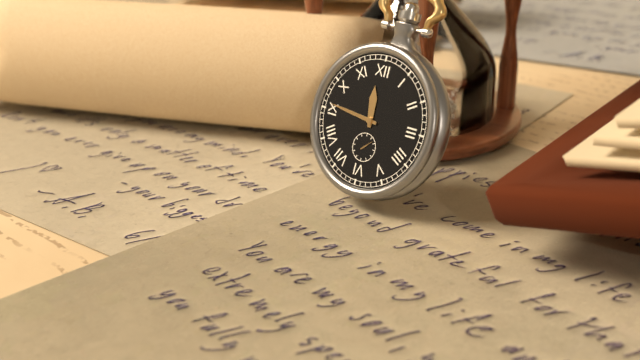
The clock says 11,46
